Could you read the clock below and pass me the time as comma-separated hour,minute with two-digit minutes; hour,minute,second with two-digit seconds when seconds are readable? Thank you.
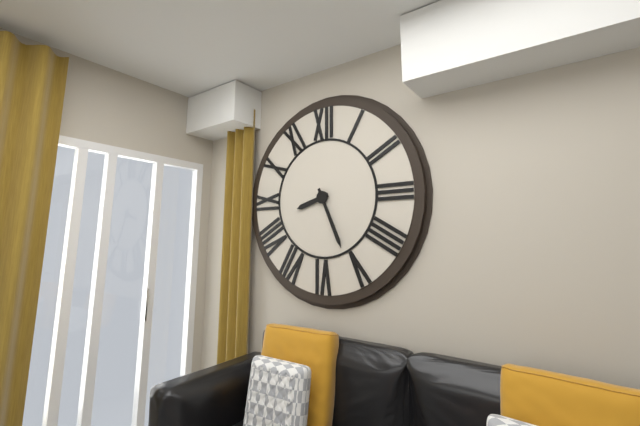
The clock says 8,26
